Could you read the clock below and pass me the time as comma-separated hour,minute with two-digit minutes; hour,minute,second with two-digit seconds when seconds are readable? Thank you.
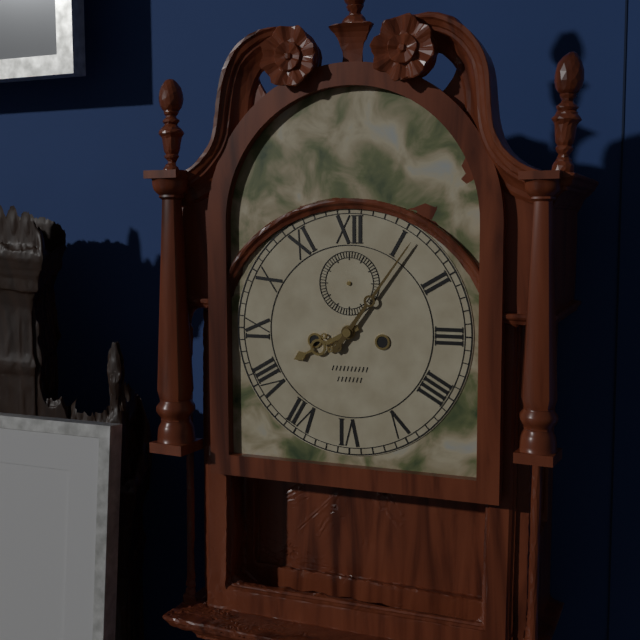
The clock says 8,06
